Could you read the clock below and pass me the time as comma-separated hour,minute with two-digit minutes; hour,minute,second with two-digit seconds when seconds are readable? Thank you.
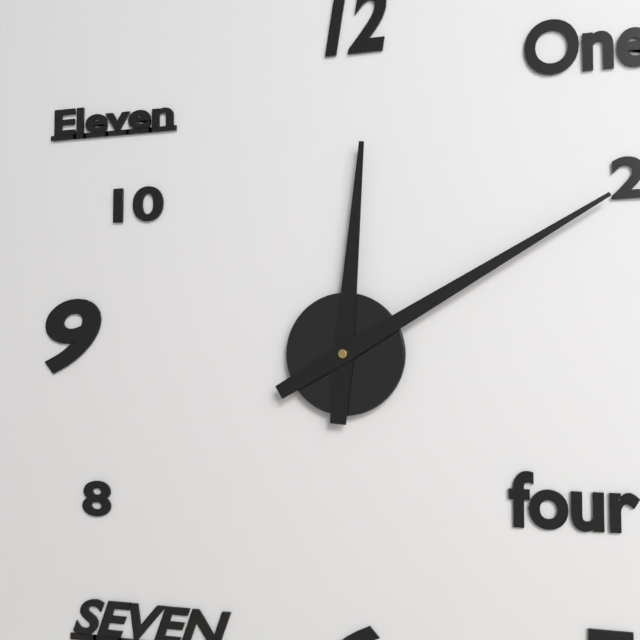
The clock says 12,10
